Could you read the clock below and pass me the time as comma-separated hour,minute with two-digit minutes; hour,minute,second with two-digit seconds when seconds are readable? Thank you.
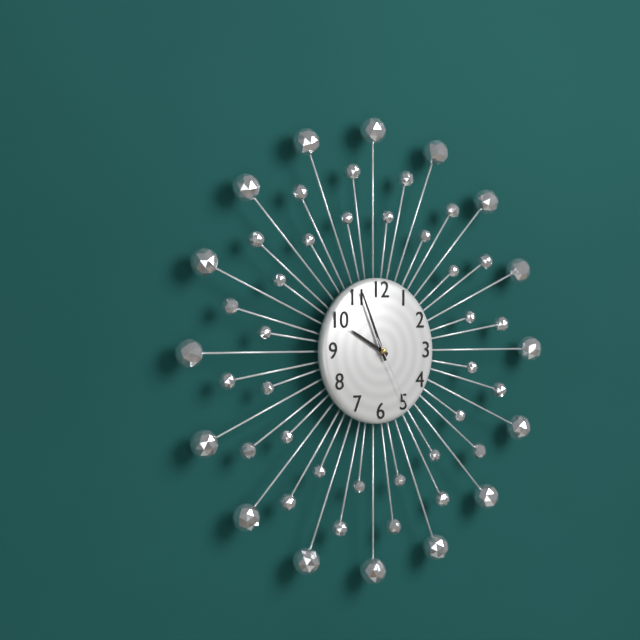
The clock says 9,56,25
